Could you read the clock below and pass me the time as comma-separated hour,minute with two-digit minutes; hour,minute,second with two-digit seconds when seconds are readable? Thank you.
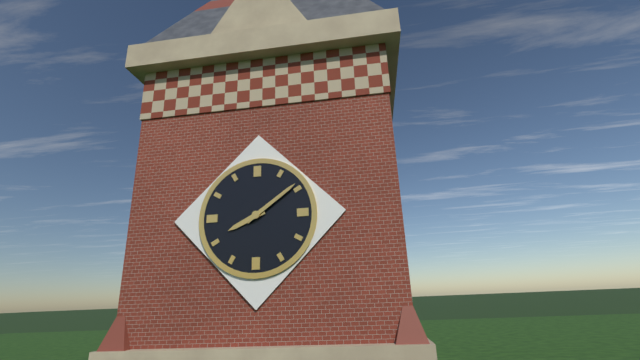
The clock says 8,09
